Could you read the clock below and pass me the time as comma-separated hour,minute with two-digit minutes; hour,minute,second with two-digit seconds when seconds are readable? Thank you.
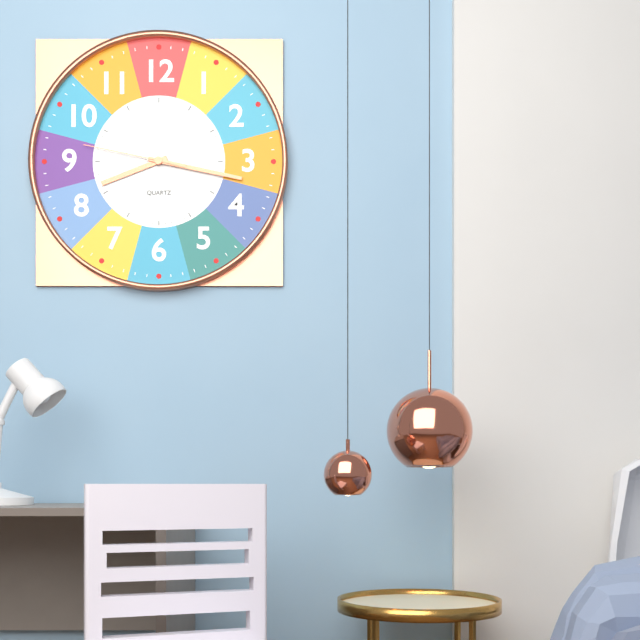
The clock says 8,17,47
